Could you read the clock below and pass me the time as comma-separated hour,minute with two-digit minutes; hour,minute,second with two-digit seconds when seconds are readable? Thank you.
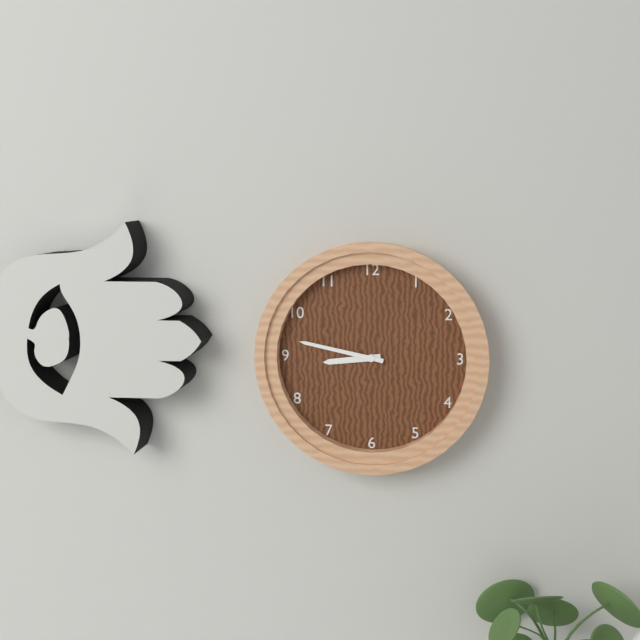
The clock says 8,47
